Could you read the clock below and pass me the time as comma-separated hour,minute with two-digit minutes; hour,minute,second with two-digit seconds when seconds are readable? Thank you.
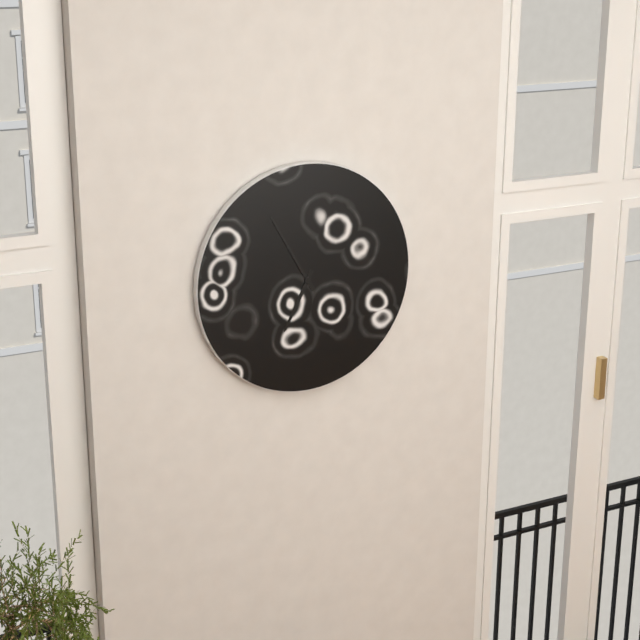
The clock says 6,55
